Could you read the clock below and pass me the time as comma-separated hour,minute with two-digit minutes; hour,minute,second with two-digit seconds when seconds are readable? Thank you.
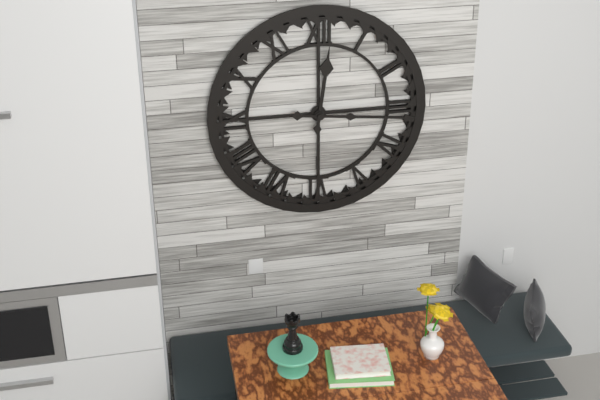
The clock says 12,16
